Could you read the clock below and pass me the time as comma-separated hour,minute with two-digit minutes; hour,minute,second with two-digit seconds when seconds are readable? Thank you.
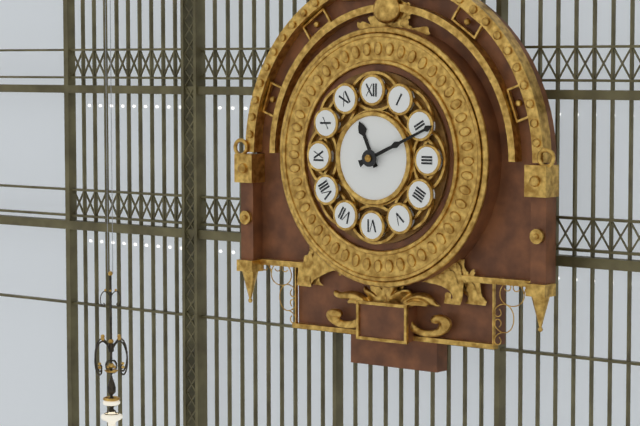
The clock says 11,11
